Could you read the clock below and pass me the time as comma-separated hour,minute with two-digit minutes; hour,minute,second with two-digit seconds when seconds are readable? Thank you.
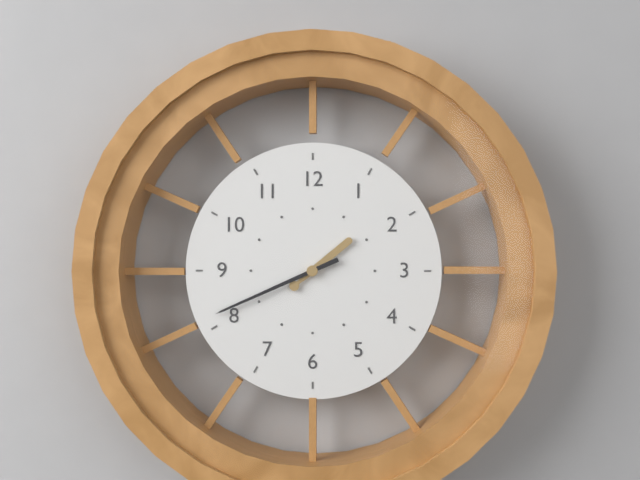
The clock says 1,41
